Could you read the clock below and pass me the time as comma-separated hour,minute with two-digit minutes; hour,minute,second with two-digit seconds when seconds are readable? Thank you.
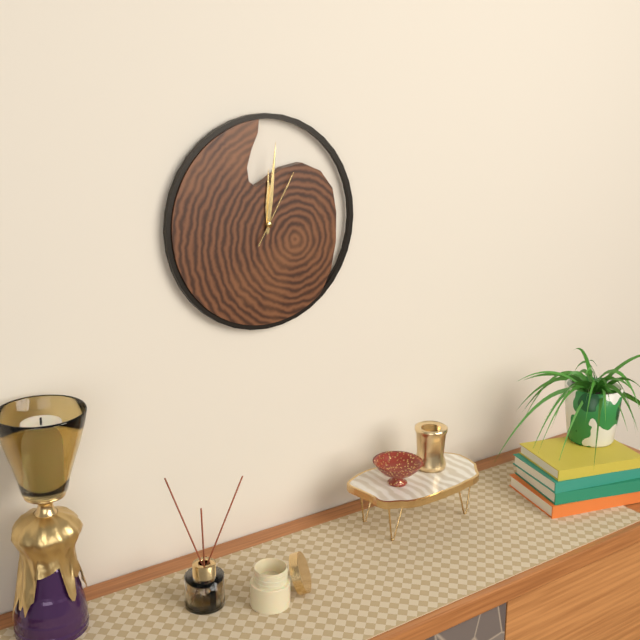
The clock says 12,01,05
